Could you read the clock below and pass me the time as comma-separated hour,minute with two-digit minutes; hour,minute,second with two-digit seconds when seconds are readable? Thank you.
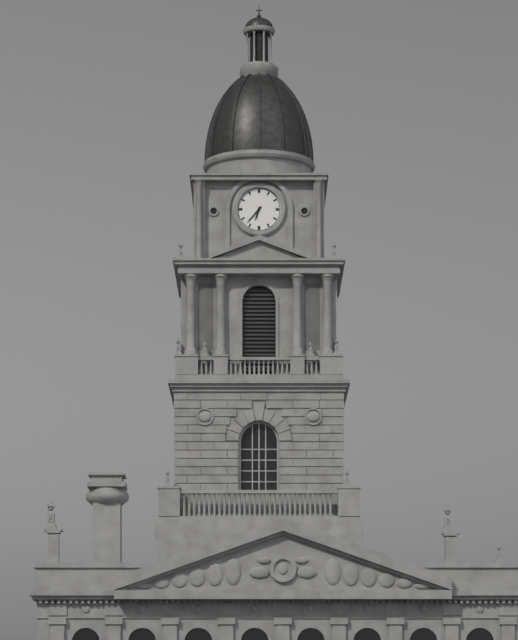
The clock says 6,37
